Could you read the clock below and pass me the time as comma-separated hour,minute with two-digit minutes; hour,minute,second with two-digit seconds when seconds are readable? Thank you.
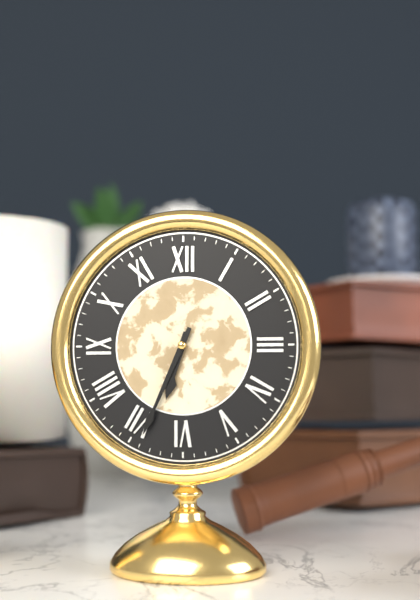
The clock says 6,34
